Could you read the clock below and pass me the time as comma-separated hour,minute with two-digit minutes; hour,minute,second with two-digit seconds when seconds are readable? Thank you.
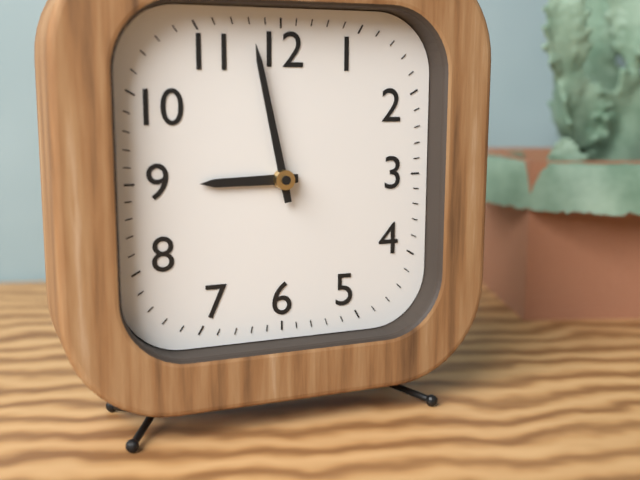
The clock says 8,58
